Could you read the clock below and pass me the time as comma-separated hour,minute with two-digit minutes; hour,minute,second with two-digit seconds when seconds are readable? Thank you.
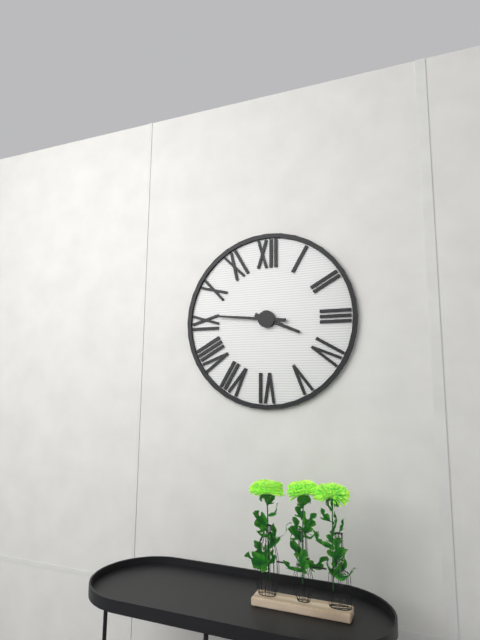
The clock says 3,46
